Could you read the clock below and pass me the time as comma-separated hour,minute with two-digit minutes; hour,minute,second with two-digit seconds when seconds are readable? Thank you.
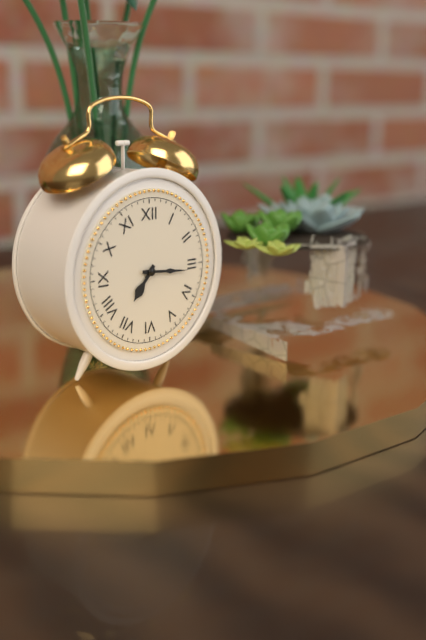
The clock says 7,16
